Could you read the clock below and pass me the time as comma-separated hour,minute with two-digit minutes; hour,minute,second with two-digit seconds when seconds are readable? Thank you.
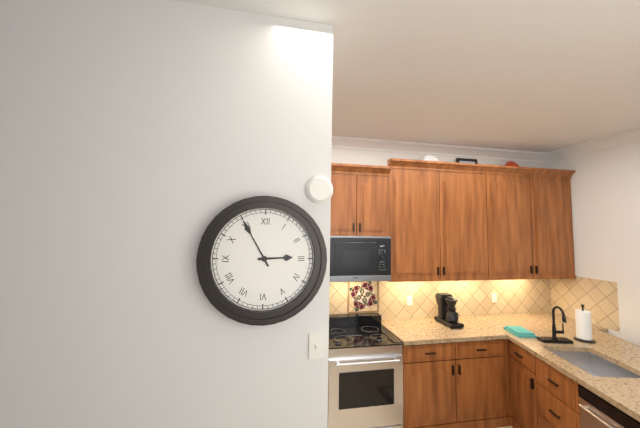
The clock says 2,55
